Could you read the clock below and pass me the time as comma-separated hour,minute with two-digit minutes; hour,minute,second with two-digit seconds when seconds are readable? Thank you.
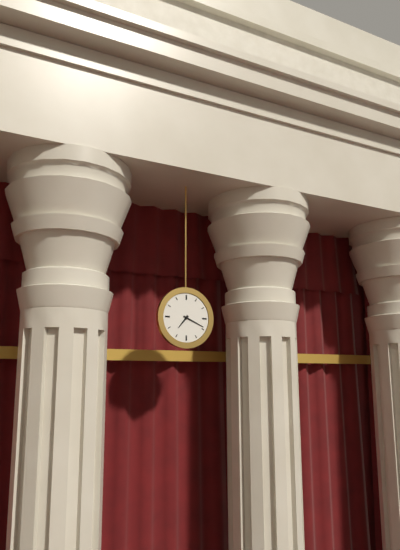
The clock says 7,19
